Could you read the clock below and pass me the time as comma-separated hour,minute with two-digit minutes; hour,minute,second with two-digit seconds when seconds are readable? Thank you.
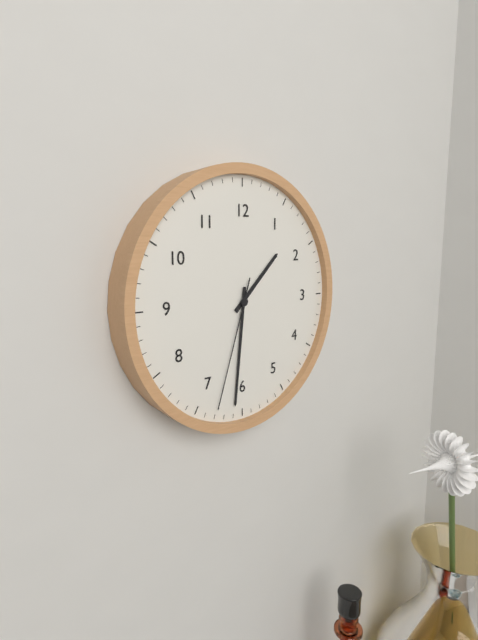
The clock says 1,31,33
